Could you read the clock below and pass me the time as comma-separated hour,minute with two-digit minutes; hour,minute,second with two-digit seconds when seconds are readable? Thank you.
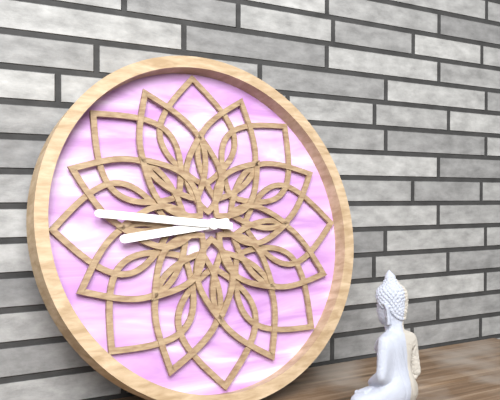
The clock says 8,46
